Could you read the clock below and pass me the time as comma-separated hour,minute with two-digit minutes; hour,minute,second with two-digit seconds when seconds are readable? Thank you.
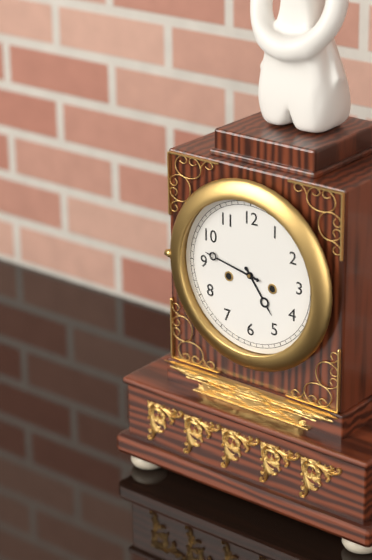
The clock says 4,47
